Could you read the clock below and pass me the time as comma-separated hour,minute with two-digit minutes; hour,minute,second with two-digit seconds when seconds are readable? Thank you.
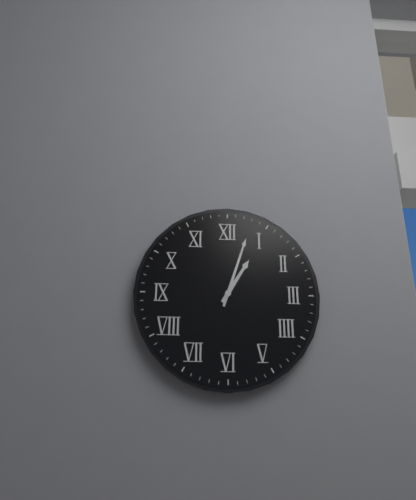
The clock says 1,03
